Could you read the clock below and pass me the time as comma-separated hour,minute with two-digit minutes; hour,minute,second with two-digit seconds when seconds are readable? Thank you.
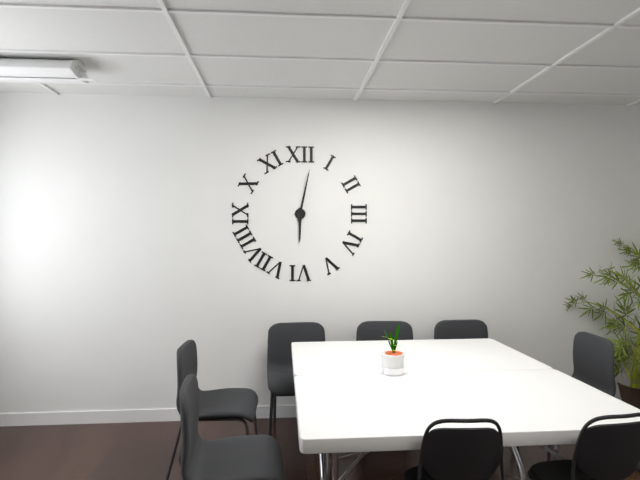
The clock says 6,02
